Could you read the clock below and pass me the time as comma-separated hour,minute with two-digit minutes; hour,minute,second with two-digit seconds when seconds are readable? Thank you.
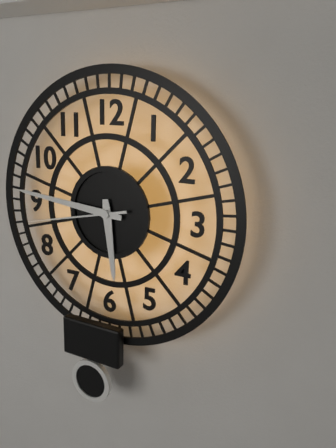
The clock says 5,46,43
